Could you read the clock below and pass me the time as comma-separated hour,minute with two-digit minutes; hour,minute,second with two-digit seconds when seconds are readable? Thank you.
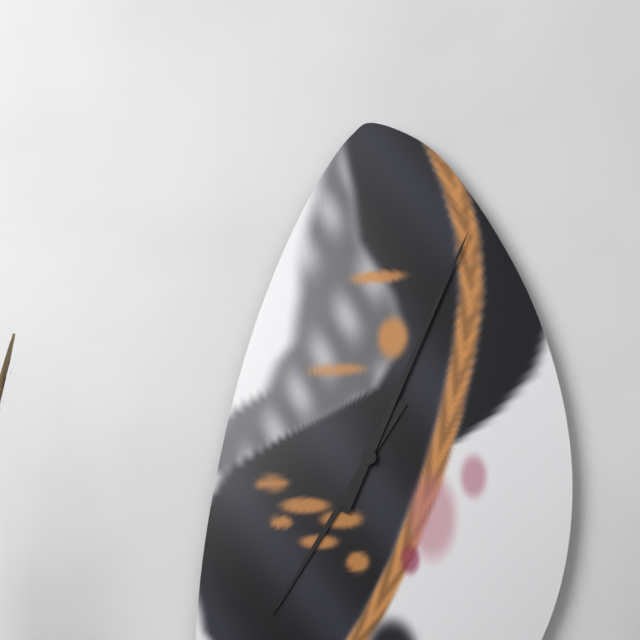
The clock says 7,04
